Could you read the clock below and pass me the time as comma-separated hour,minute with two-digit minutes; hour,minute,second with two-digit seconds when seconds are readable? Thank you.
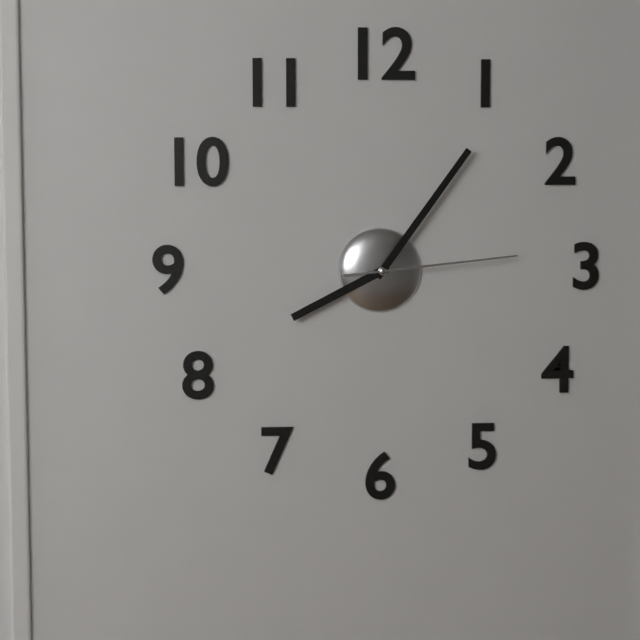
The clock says 8,06,14
